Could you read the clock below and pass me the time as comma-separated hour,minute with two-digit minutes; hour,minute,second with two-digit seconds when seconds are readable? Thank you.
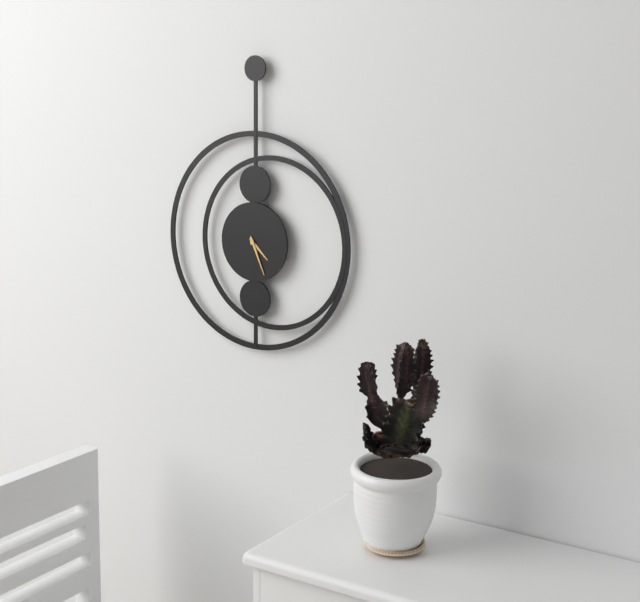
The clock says 4,26
